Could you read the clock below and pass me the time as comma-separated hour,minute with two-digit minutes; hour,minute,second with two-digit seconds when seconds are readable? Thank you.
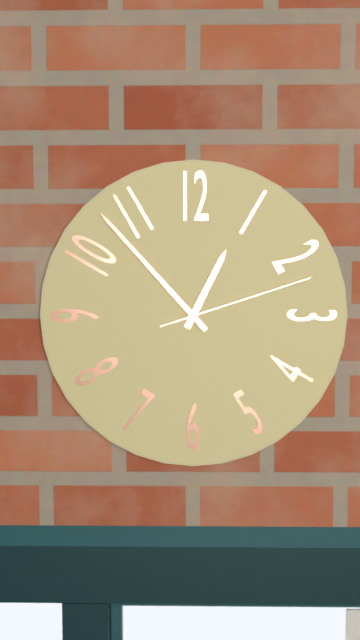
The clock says 12,53,12
